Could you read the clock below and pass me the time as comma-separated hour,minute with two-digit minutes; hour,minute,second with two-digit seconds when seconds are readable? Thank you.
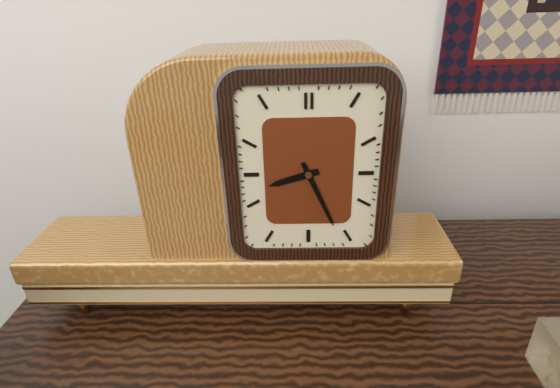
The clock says 8,26
